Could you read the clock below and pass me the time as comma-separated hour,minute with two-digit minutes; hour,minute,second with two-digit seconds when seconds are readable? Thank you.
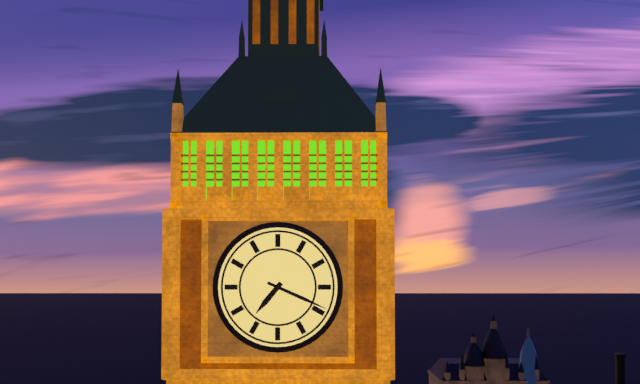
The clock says 7,19
